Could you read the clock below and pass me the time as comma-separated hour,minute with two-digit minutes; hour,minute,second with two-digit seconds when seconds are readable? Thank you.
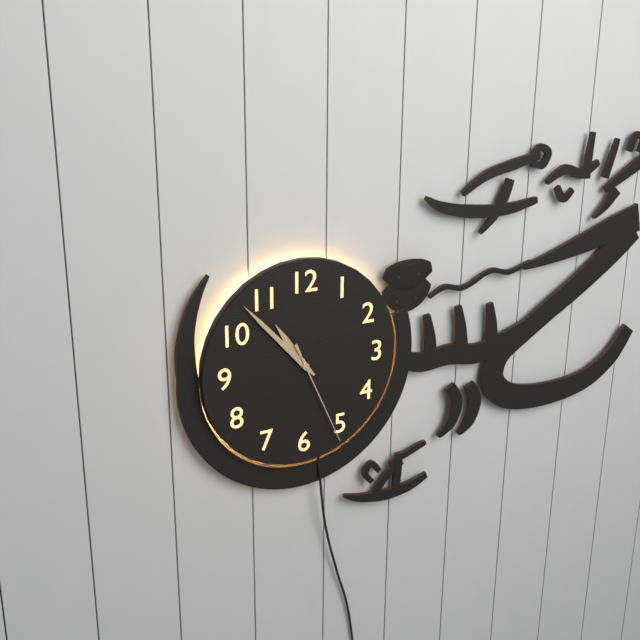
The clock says 10,53,26
